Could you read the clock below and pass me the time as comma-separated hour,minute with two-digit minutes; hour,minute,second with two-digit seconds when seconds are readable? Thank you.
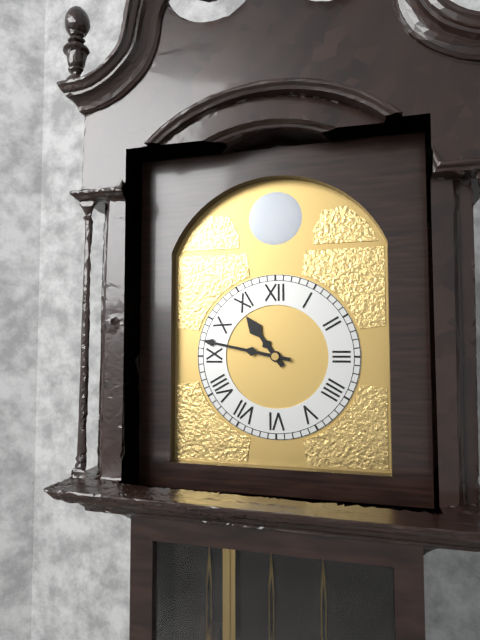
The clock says 10,47
